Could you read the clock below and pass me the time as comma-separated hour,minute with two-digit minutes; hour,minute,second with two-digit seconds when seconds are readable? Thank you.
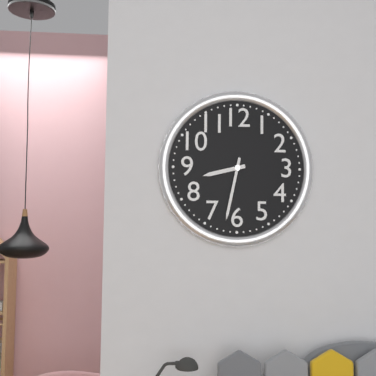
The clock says 8,32
